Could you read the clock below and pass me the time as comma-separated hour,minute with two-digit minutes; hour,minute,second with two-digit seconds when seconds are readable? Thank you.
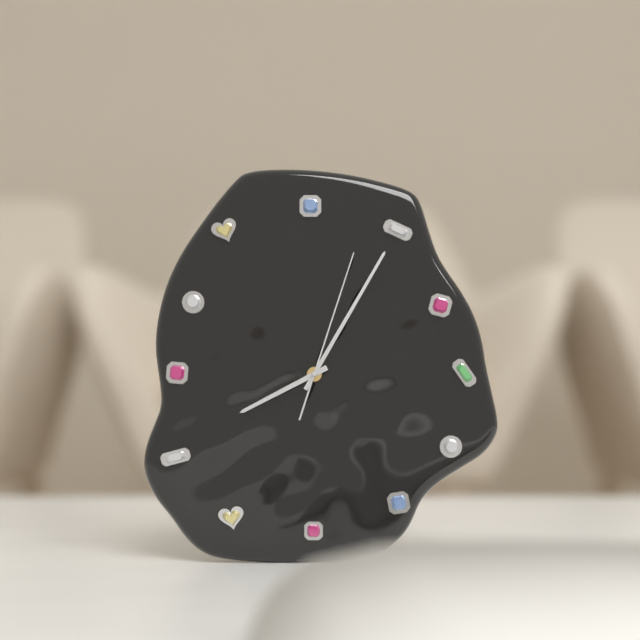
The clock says 8,05,03
